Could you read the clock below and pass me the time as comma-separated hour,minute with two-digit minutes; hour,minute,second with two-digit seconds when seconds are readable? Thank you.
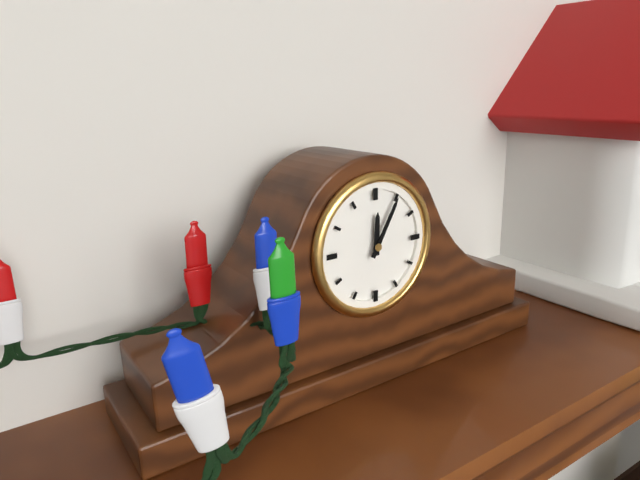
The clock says 12,05
